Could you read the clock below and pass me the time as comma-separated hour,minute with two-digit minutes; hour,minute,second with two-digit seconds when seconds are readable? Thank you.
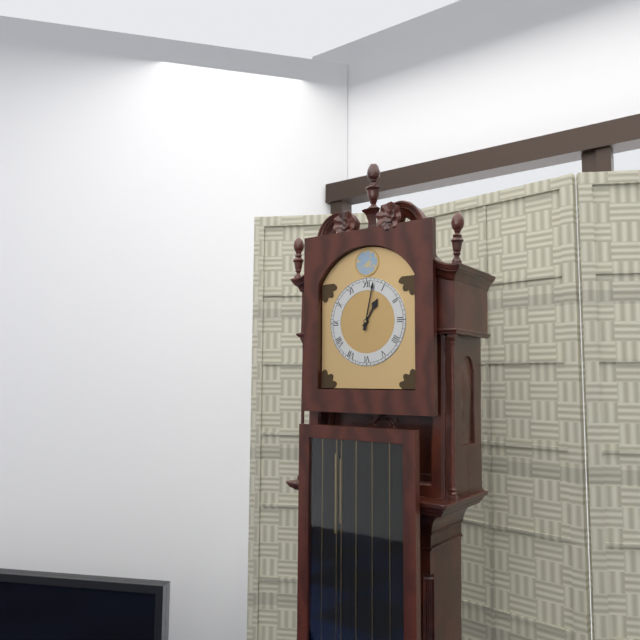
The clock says 1,02
